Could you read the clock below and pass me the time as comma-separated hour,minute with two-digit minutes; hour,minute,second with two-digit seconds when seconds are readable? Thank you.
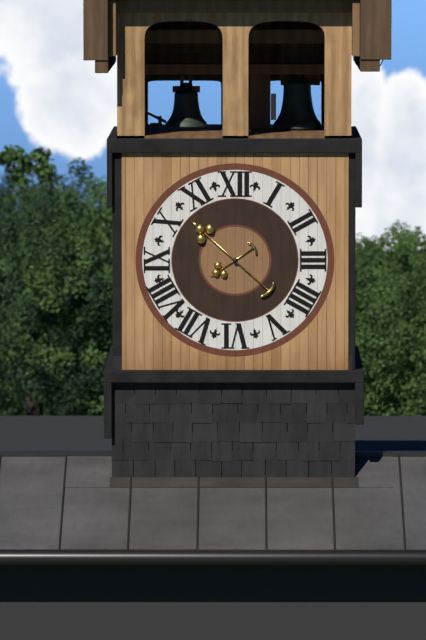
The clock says 7,52
